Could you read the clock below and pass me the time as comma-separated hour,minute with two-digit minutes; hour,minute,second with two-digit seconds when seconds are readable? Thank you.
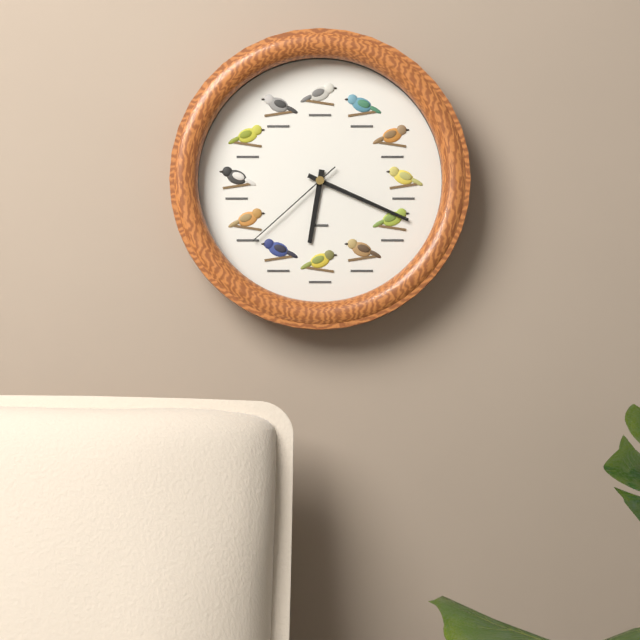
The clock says 6,19,38
